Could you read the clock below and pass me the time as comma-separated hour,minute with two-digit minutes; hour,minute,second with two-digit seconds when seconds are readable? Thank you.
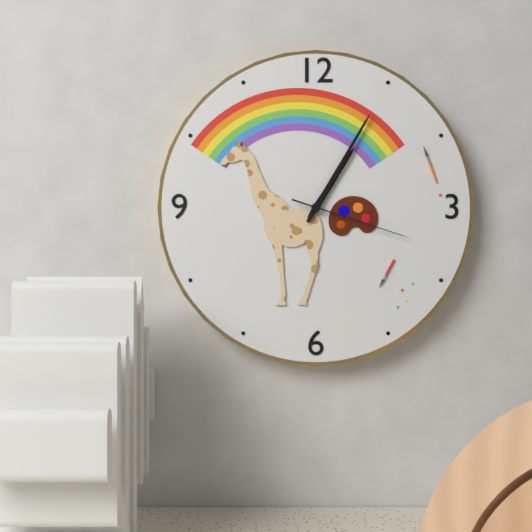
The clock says 1,05,18
